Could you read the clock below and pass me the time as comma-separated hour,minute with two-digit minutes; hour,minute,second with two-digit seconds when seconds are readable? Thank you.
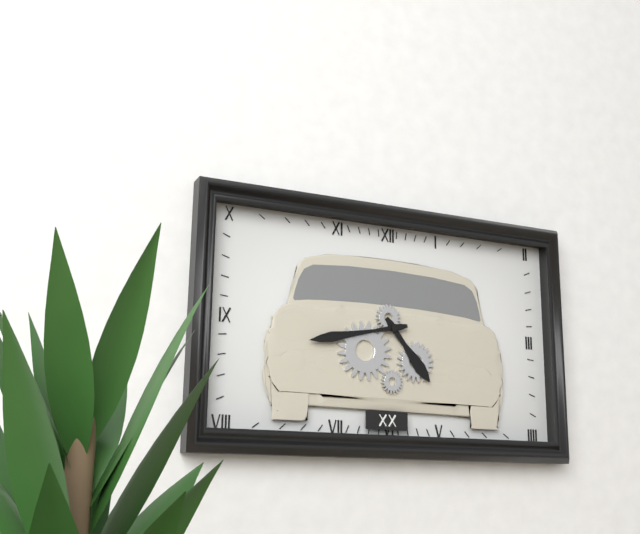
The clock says 4,43
